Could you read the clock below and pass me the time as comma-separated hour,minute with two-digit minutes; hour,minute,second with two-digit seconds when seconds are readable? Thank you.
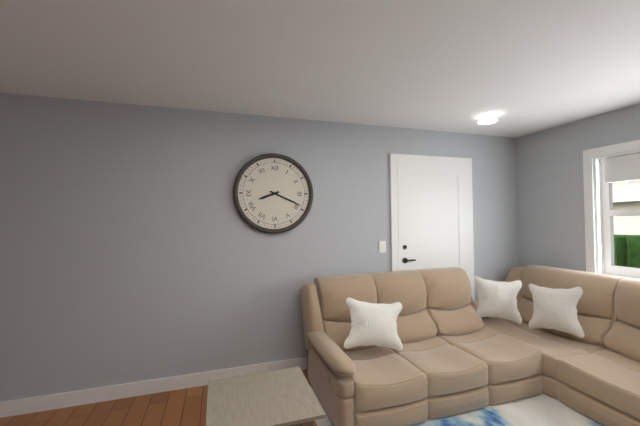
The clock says 8,19
